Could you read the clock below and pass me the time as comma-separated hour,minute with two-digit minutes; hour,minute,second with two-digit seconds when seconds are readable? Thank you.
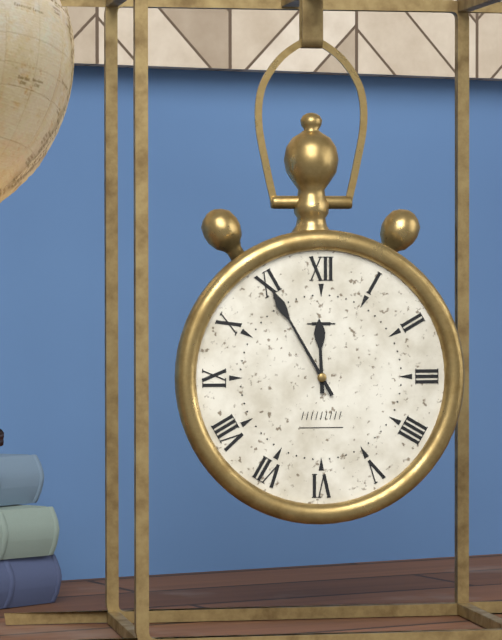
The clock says 11,55
